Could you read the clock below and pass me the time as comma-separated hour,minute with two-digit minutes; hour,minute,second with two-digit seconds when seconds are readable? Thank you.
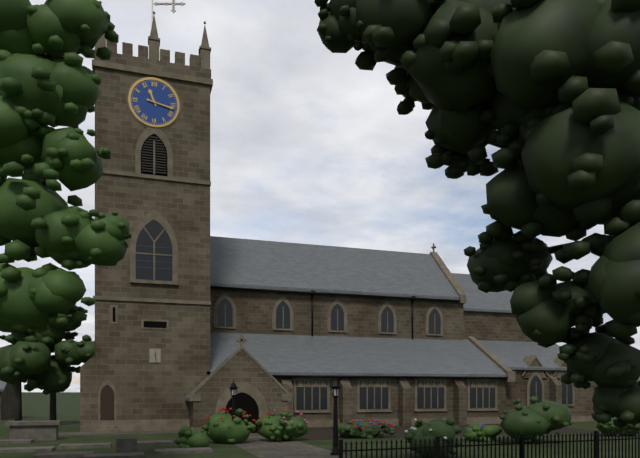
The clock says 11,17
